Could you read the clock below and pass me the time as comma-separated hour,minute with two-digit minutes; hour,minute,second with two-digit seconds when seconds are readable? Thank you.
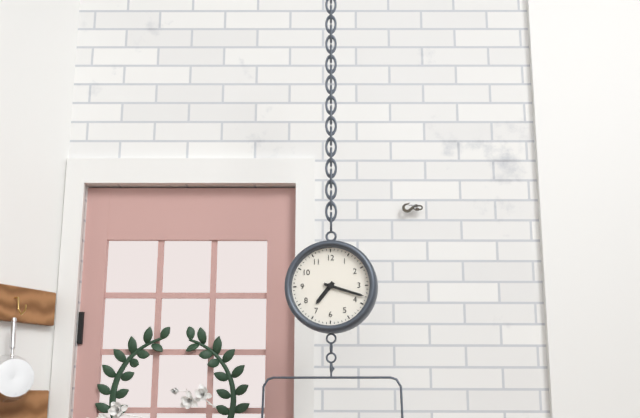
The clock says 7,18
